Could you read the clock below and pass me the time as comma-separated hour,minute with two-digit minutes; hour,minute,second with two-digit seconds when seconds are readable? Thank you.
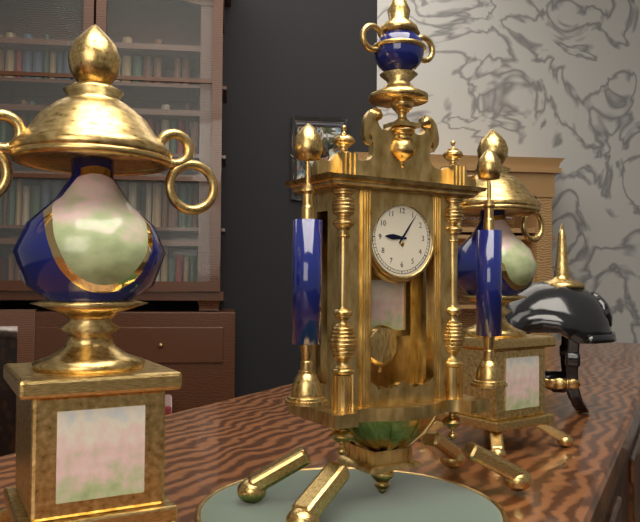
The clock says 9,06
